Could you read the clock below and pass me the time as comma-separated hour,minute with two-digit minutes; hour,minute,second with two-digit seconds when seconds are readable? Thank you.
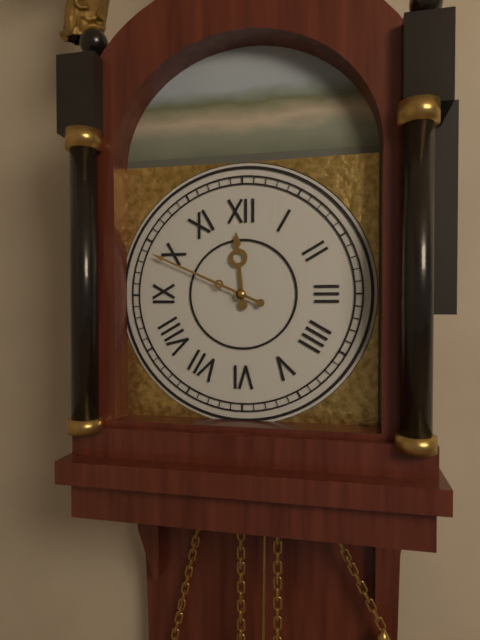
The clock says 11,49
